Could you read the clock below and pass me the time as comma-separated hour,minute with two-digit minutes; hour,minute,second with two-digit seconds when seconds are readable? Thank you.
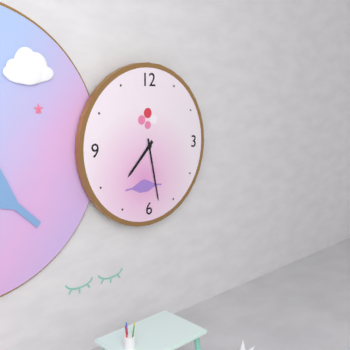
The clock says 7,28
